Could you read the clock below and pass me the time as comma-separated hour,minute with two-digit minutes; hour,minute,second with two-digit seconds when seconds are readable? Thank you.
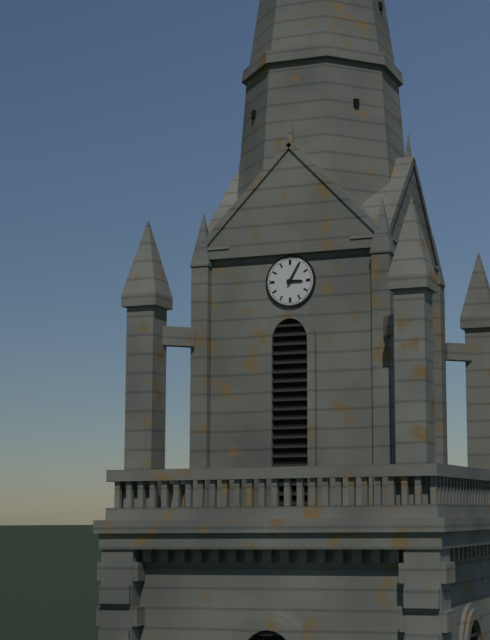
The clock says 3,05
